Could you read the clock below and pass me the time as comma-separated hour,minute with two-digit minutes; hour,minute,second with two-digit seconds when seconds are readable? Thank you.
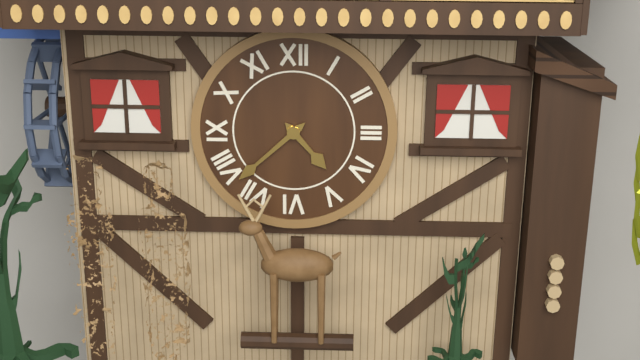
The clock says 4,38
